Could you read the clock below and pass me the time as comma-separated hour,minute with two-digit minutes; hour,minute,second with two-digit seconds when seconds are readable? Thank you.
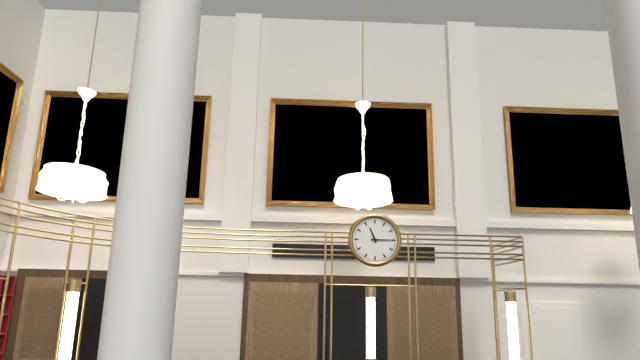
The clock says 11,15
